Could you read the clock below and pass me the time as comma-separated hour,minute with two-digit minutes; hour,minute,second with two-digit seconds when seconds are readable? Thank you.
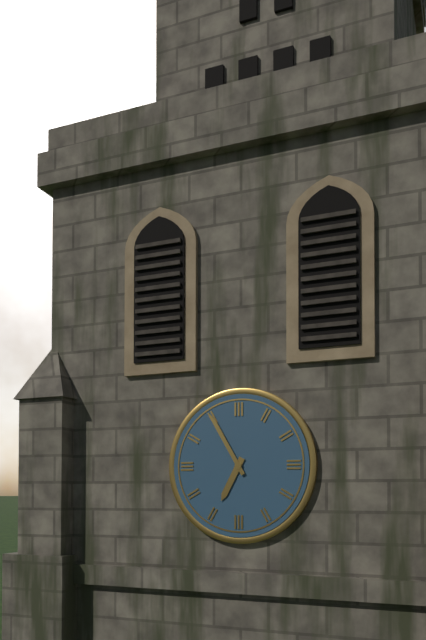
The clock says 6,55
